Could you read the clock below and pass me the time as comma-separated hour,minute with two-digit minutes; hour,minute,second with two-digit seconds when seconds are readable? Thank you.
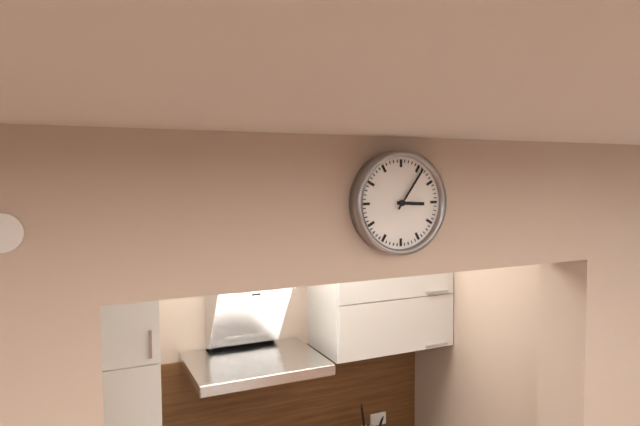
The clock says 3,06
